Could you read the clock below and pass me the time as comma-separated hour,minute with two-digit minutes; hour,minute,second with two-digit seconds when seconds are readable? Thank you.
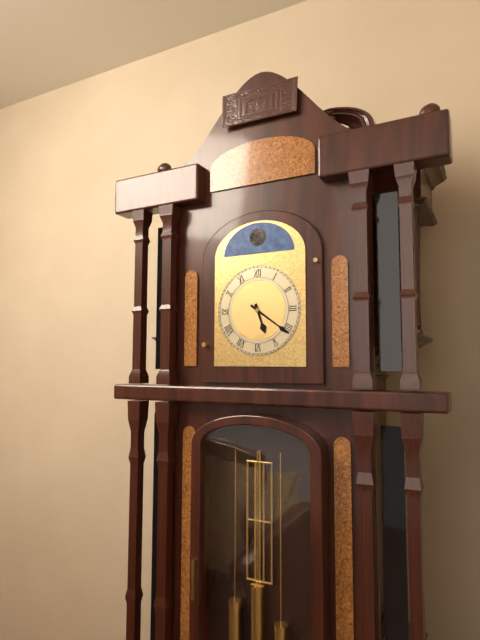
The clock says 5,21
